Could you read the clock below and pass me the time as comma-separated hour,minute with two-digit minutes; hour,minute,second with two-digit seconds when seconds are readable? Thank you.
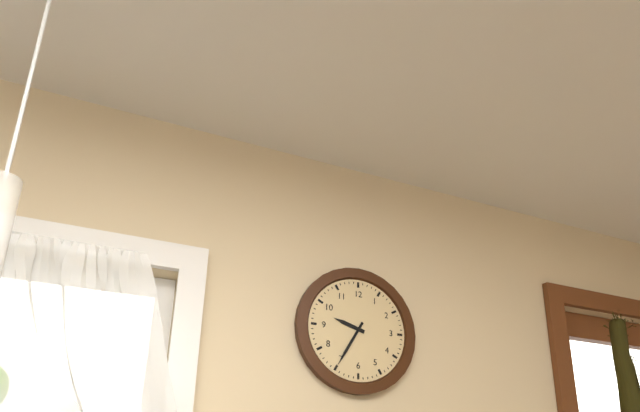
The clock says 9,35
